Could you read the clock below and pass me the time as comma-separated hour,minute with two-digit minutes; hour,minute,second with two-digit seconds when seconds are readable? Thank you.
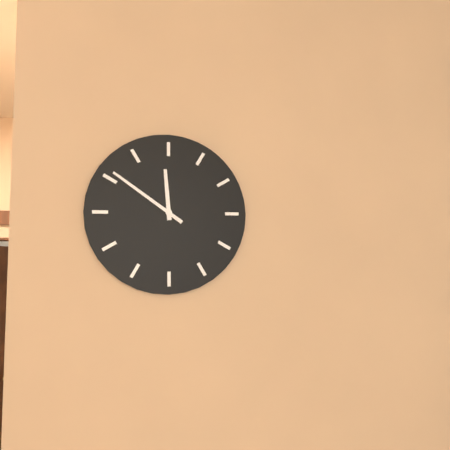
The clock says 11,51
